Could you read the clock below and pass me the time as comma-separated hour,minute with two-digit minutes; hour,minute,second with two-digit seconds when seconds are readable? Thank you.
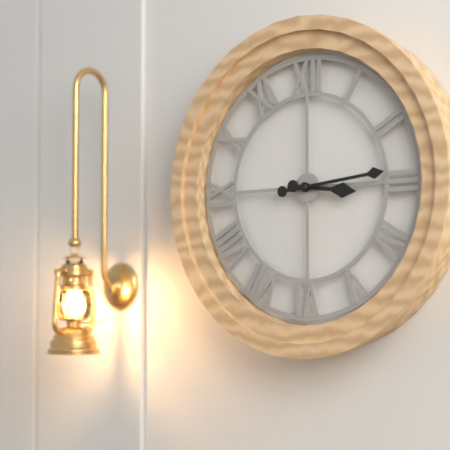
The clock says 3,14
